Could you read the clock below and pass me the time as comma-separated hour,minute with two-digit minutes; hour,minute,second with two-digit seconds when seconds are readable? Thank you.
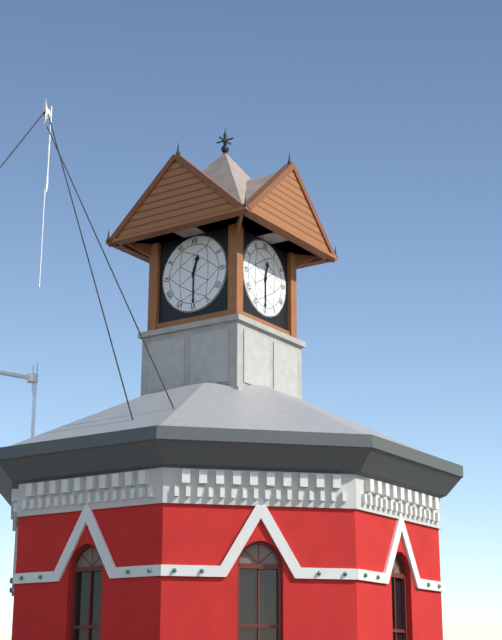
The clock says 12,30
